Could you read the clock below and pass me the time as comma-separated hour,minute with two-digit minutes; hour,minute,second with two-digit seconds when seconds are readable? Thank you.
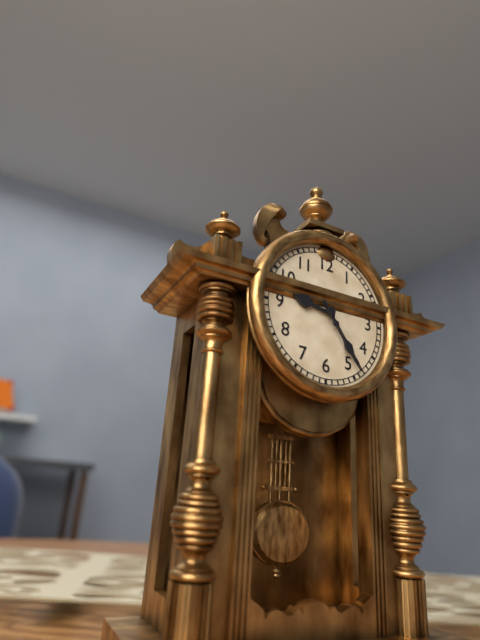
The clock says 9,24
